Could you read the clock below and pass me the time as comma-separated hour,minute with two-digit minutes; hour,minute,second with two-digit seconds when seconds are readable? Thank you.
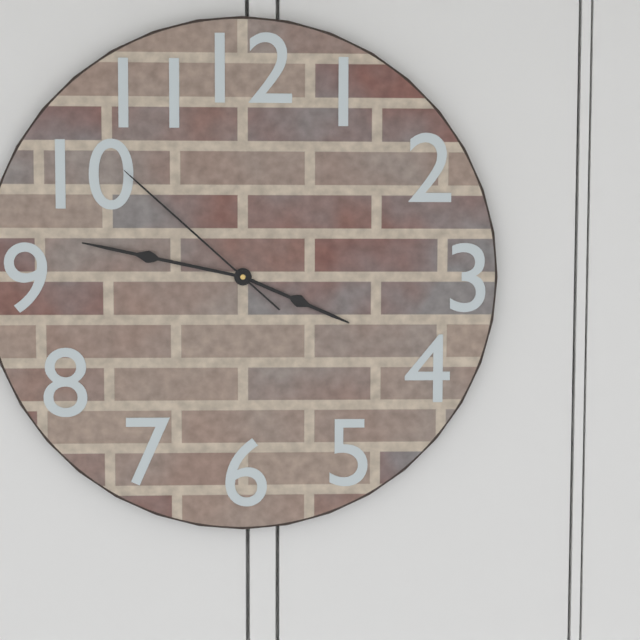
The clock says 3,47,52
